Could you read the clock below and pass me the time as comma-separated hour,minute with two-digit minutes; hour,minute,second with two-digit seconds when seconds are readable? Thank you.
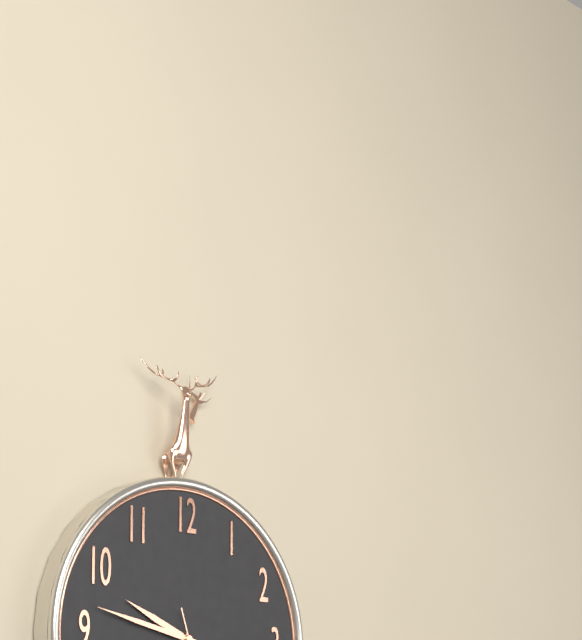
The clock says 9,47
